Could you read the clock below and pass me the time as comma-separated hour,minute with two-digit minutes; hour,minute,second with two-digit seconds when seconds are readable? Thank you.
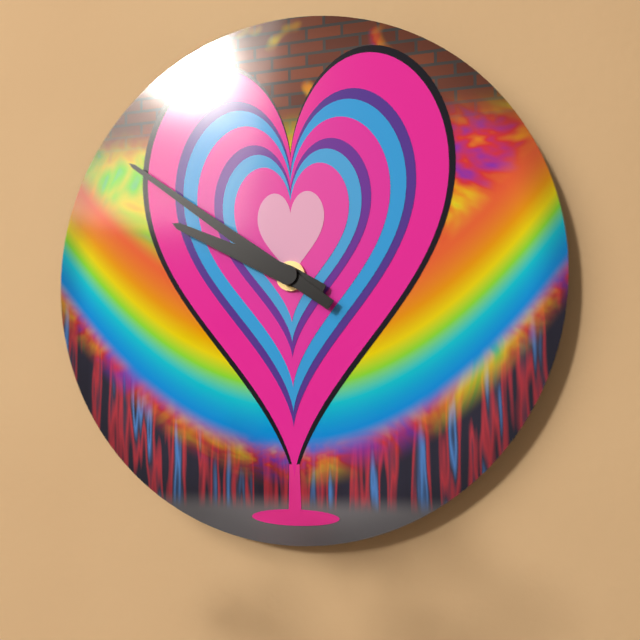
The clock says 9,51
